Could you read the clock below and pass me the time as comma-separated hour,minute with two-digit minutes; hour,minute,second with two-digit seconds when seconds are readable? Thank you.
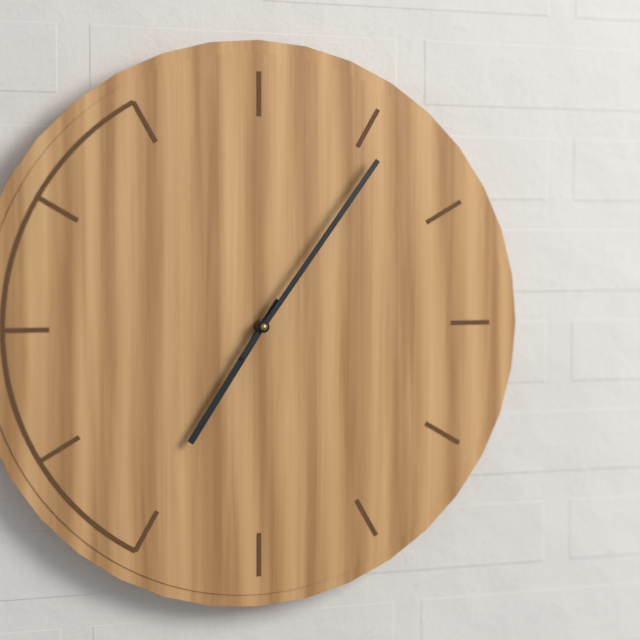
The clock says 7,06
